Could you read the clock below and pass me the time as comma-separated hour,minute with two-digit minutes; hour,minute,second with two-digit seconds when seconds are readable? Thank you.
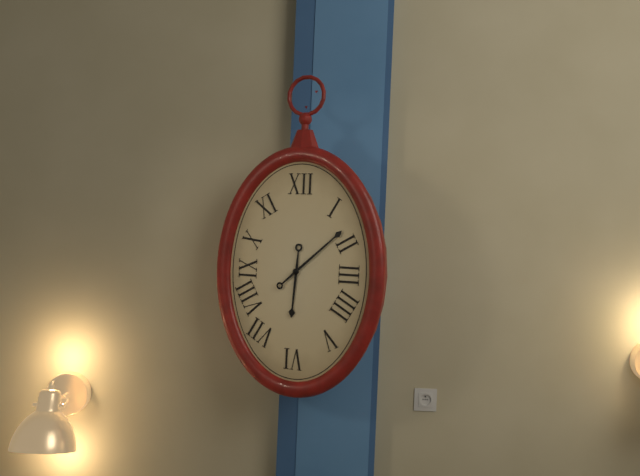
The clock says 6,08
